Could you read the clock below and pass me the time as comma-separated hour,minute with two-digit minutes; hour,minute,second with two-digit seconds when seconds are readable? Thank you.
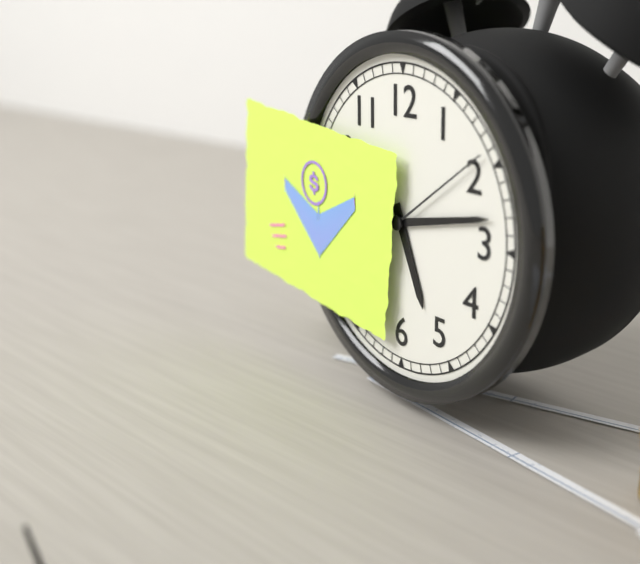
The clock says 5,13,09
